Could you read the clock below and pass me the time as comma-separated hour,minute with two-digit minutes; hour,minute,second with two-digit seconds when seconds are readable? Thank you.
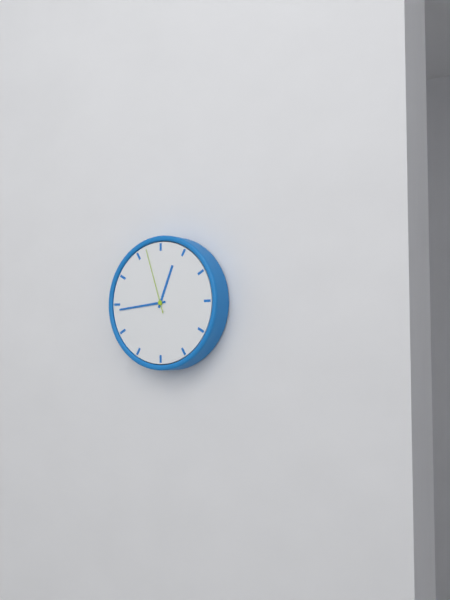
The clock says 12,44,57
